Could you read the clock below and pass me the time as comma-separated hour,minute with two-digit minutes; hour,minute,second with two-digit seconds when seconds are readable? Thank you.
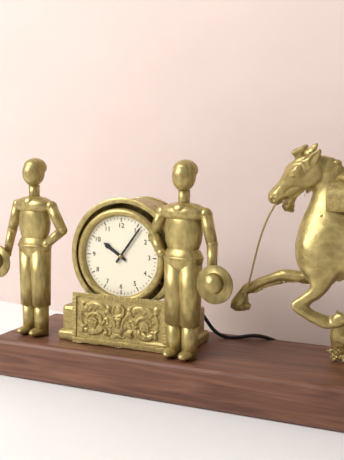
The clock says 10,06
